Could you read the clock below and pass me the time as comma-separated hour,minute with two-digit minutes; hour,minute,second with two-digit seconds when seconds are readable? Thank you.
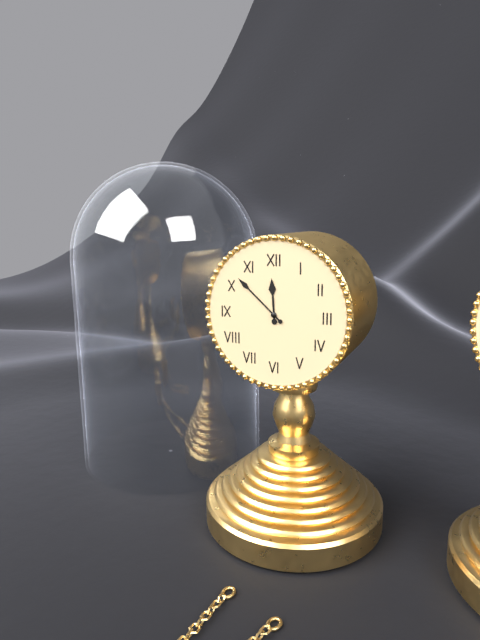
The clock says 11,52
